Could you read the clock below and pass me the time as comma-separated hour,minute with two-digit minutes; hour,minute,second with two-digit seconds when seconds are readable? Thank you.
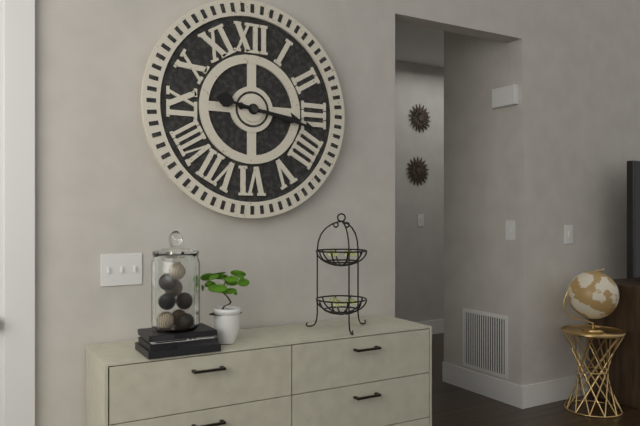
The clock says 3,17
